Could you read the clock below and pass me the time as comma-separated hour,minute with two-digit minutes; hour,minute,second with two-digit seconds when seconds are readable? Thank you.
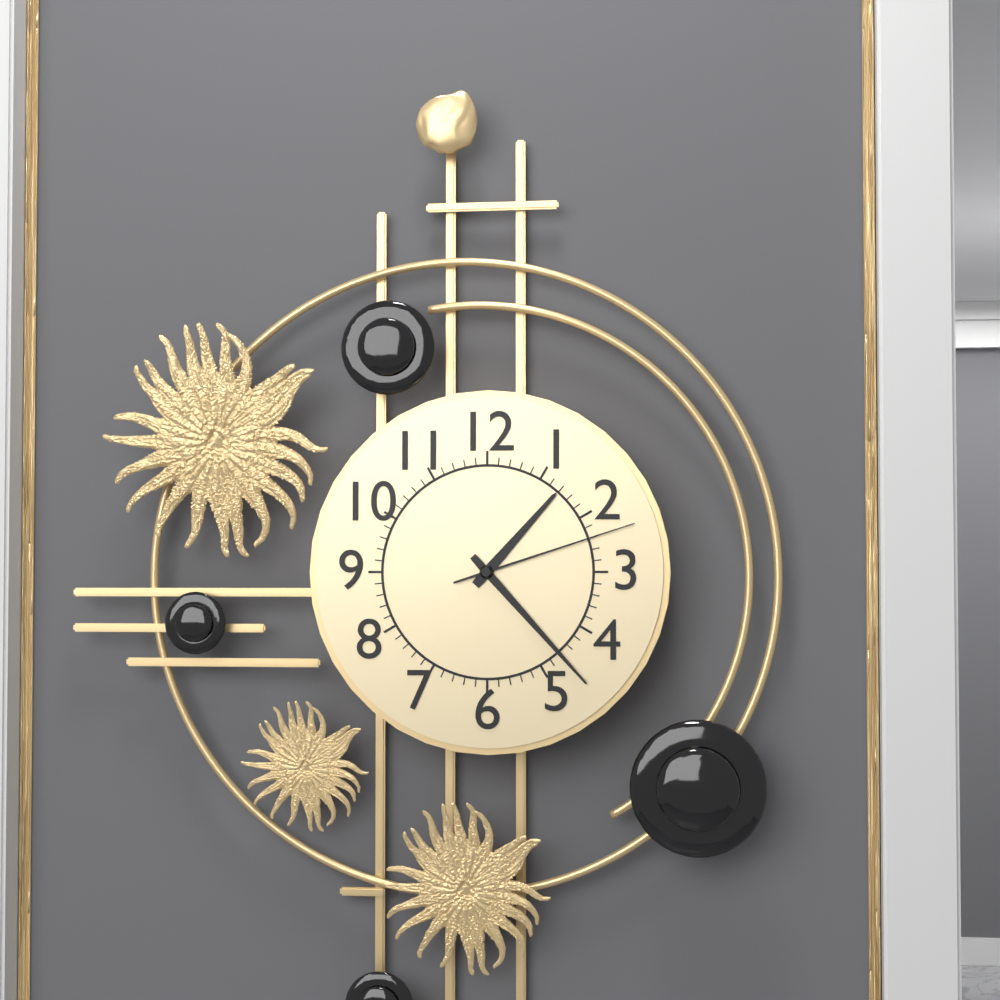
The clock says 1,23,12
